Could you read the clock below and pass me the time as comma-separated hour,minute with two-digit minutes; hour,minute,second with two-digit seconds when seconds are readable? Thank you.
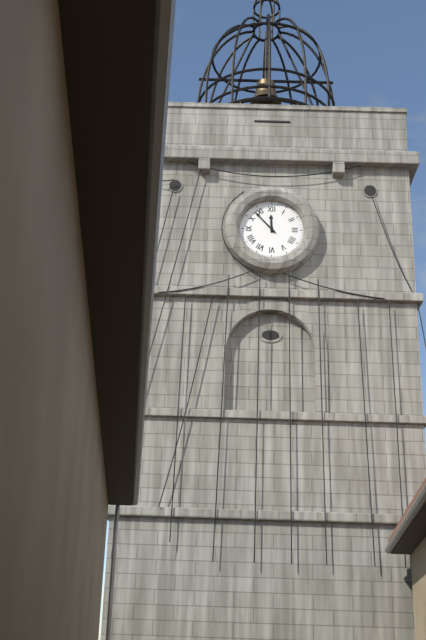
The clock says 11,53
